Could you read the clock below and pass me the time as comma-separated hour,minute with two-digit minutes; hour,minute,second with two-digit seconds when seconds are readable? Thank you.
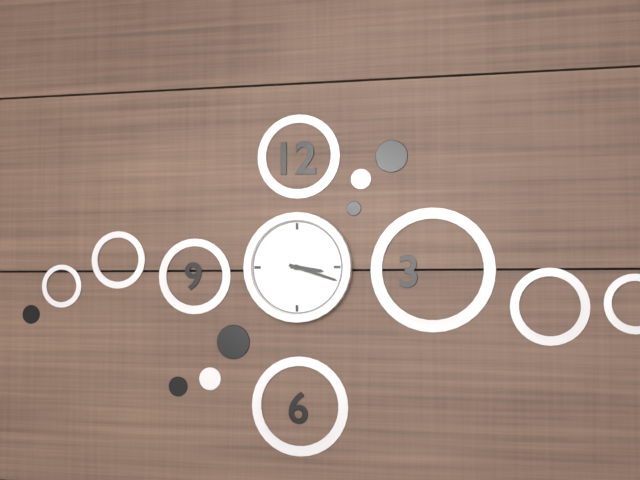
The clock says 3,18
